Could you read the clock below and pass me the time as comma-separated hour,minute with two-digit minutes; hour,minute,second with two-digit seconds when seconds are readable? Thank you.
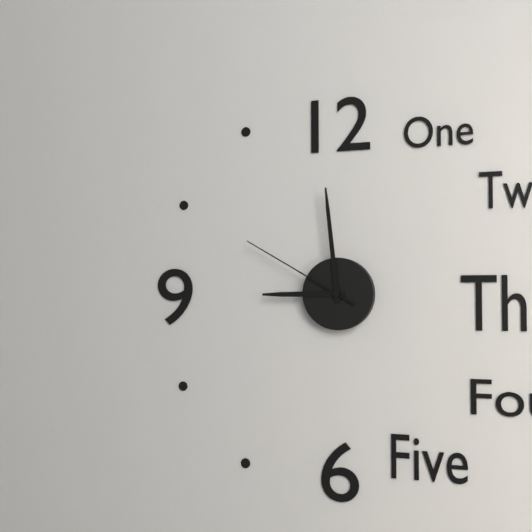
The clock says 8,59,50
